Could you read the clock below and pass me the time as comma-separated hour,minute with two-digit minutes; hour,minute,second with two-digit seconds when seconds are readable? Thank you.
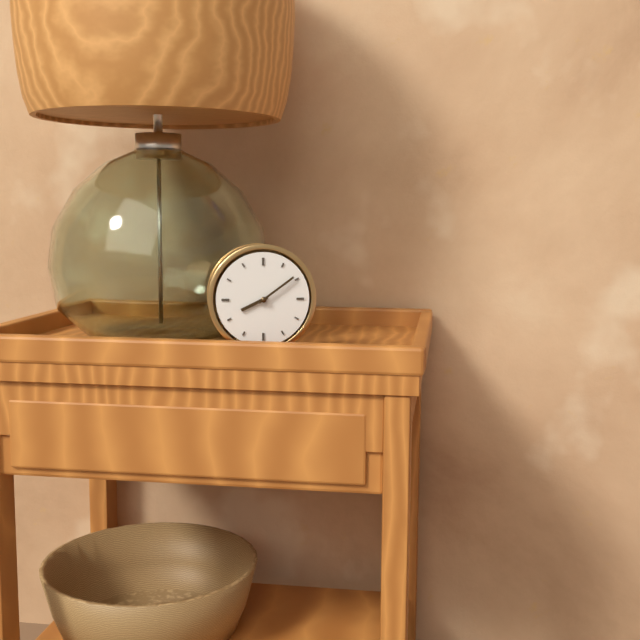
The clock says 8,09
